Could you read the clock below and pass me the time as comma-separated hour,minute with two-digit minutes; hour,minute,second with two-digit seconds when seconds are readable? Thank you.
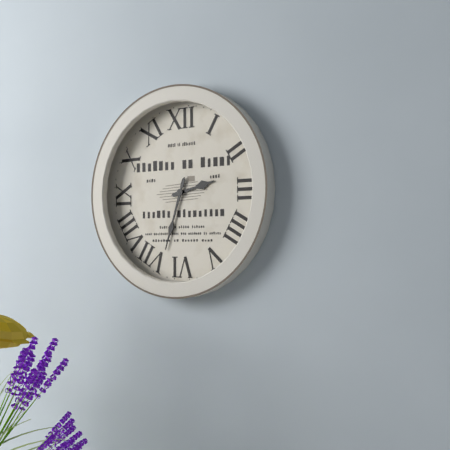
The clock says 2,33
